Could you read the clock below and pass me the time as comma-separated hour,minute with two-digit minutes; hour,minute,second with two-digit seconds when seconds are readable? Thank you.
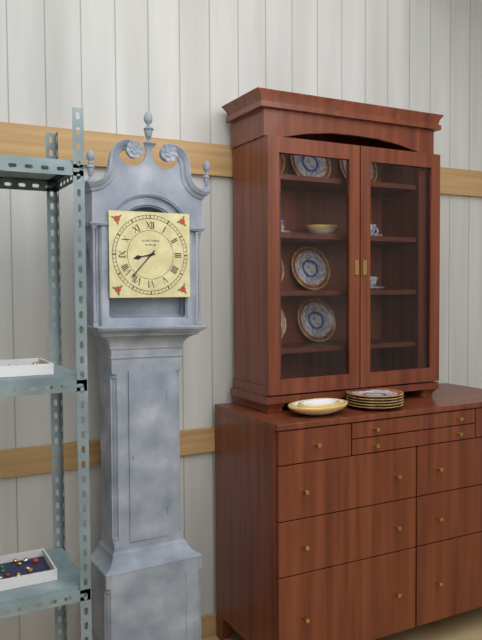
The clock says 8,37
